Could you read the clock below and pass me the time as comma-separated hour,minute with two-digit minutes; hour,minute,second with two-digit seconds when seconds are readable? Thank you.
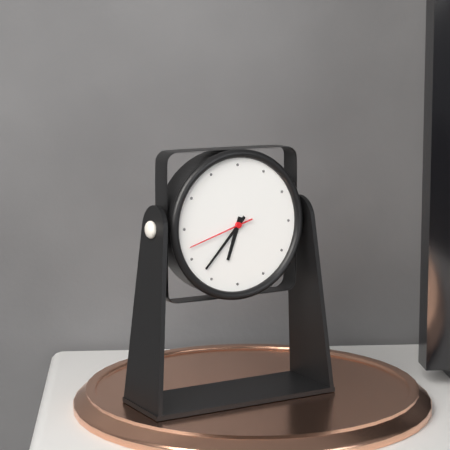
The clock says 6,37,42
